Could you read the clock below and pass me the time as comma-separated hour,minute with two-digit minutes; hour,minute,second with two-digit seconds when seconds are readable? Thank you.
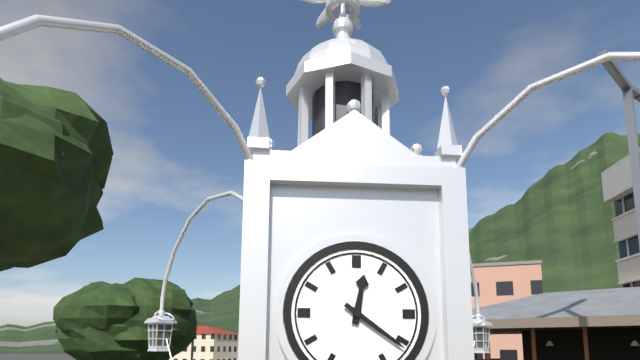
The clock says 12,21
